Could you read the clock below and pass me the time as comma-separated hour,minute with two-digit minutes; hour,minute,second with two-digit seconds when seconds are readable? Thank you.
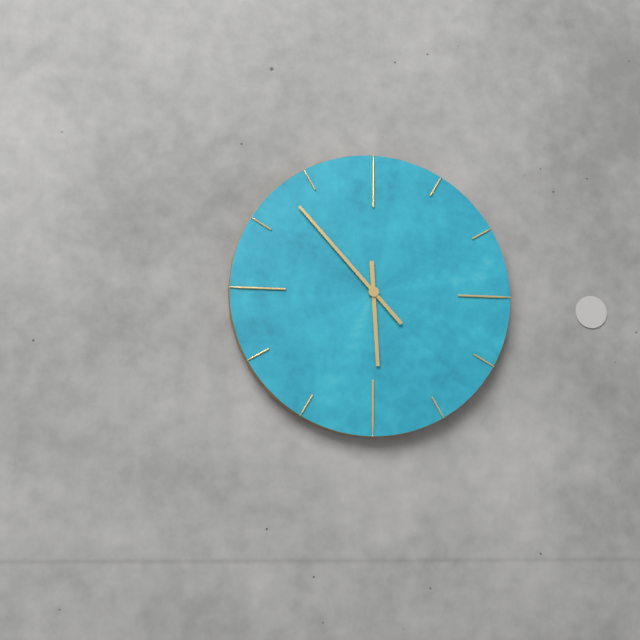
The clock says 5,53
